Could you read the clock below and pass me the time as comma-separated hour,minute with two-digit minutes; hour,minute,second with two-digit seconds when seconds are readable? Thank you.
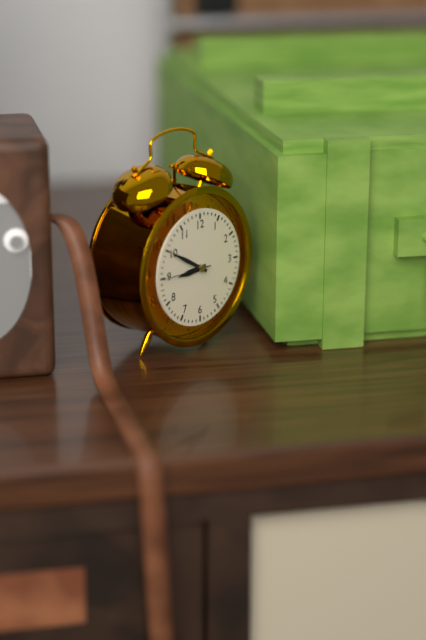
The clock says 8,50
